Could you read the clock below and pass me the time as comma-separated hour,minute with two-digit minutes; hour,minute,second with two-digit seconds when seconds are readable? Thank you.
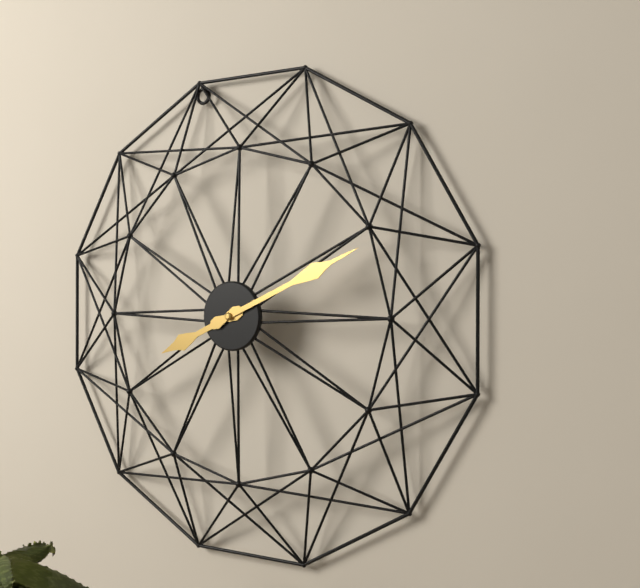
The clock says 8,11
